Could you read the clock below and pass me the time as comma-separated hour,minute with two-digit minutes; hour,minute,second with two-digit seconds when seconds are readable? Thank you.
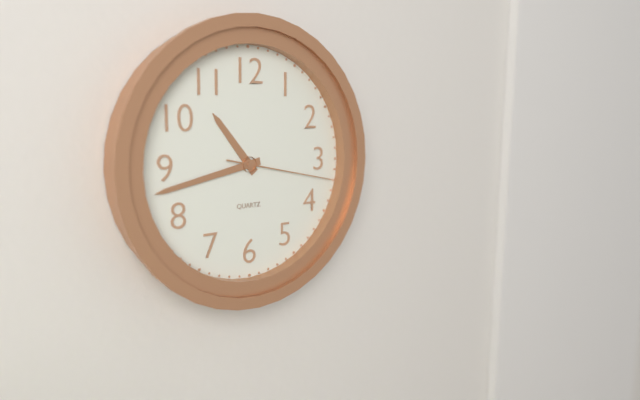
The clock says 10,43,17
